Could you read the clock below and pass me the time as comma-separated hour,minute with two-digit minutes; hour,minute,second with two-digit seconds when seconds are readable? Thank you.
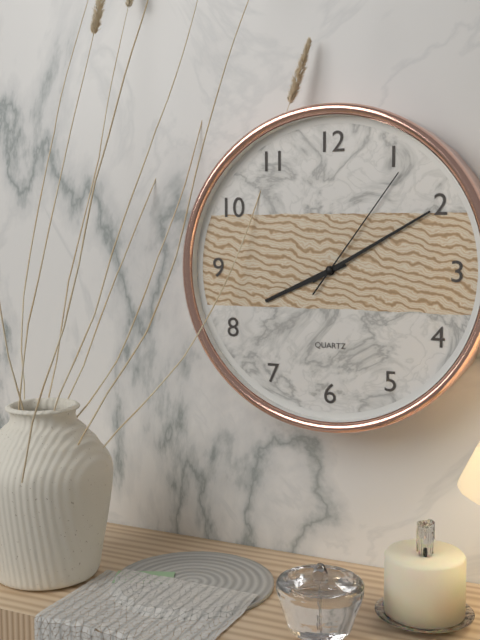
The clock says 8,10,06
